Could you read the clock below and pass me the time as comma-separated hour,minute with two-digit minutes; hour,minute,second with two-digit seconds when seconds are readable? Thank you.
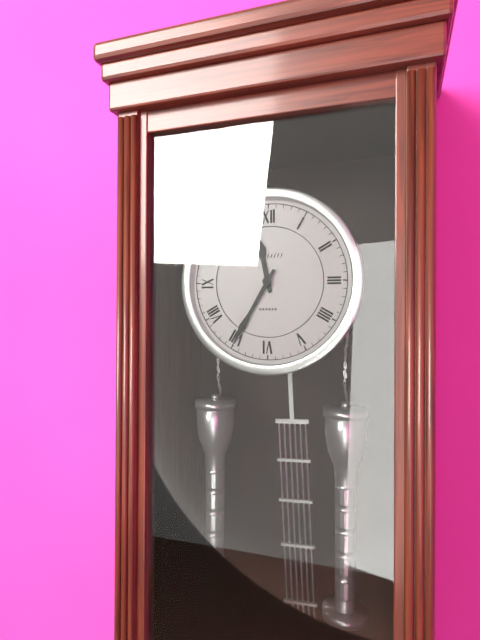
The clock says 11,35
